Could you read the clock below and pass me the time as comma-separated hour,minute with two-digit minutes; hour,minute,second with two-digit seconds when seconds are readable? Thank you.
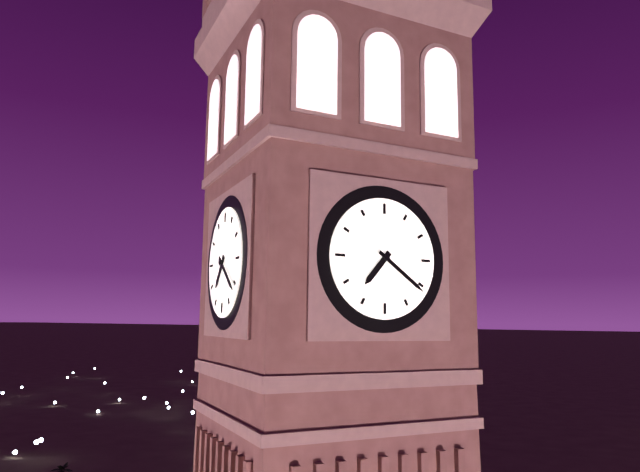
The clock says 7,21
